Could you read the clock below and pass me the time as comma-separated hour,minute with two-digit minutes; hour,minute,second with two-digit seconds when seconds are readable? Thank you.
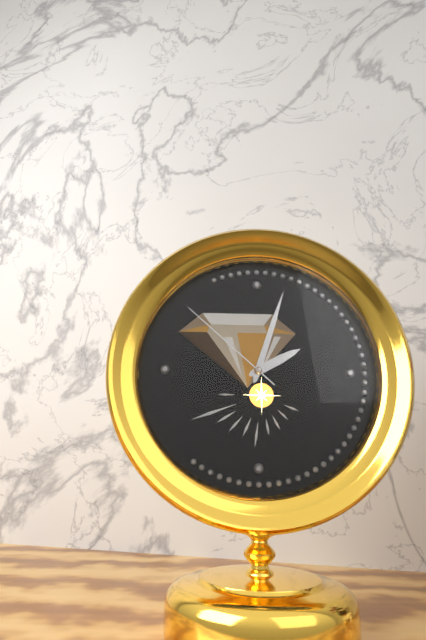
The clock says 2,03,52
